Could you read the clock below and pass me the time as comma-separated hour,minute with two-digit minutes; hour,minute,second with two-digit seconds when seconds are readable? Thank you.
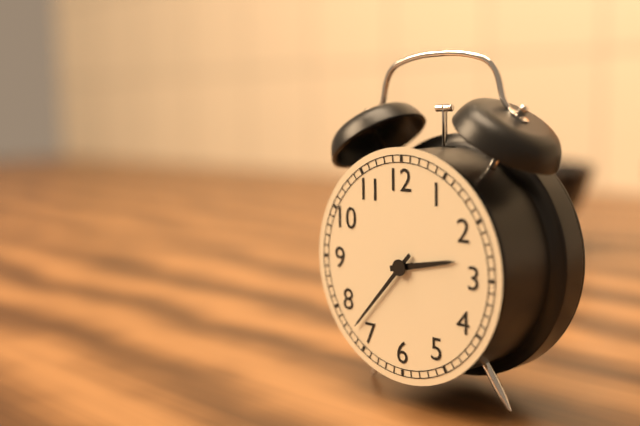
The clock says 2,37
